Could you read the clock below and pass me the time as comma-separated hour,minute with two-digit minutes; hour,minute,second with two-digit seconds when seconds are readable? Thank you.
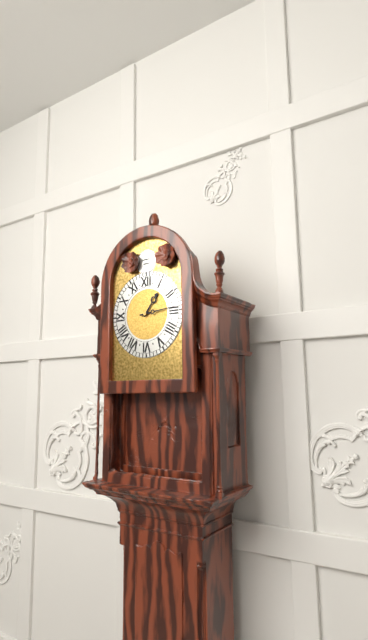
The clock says 1,14
